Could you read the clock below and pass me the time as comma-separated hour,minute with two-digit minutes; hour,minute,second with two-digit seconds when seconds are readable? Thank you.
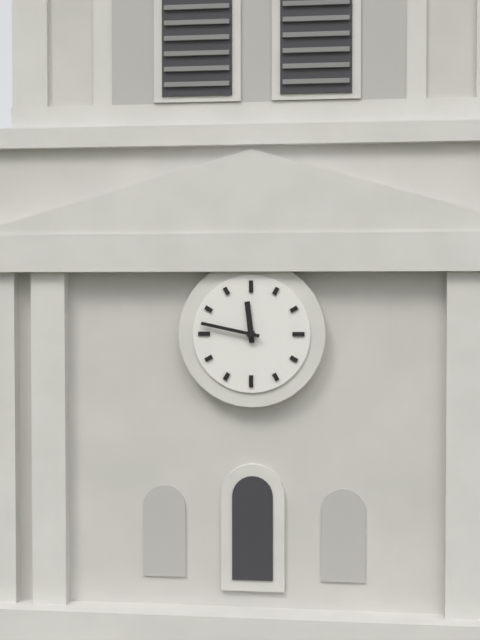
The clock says 11,47
